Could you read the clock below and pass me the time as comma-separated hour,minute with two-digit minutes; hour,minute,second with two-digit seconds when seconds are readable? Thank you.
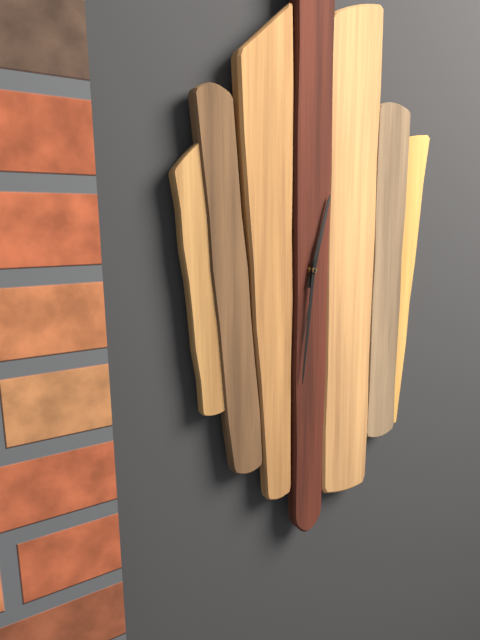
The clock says 12,31,32
